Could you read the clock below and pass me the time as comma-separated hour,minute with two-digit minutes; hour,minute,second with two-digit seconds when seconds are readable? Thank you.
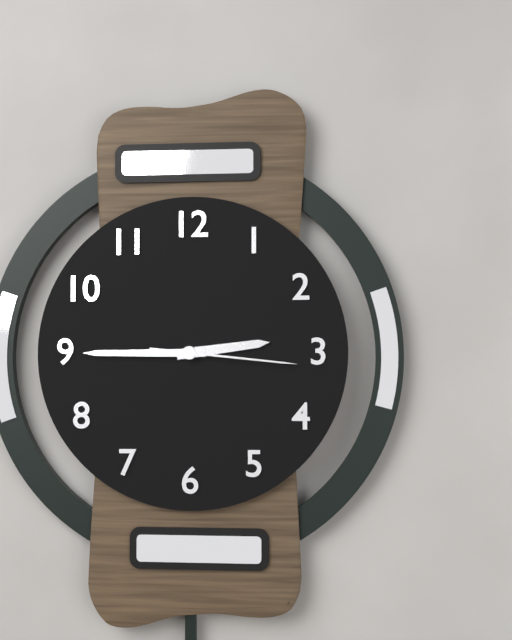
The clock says 2,45,16
